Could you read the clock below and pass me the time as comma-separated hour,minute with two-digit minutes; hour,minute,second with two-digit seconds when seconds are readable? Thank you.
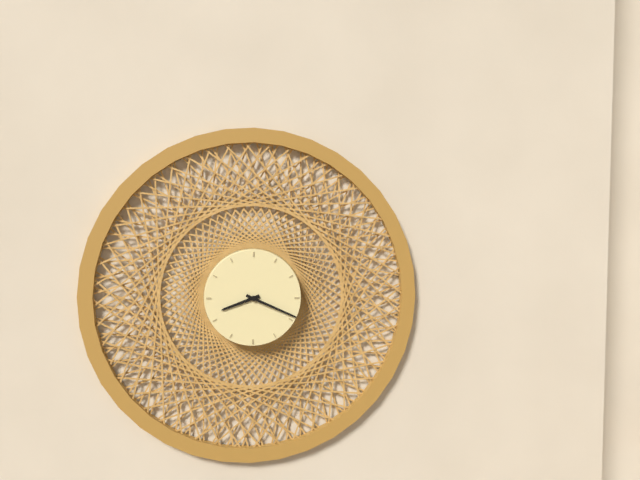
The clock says 8,19
